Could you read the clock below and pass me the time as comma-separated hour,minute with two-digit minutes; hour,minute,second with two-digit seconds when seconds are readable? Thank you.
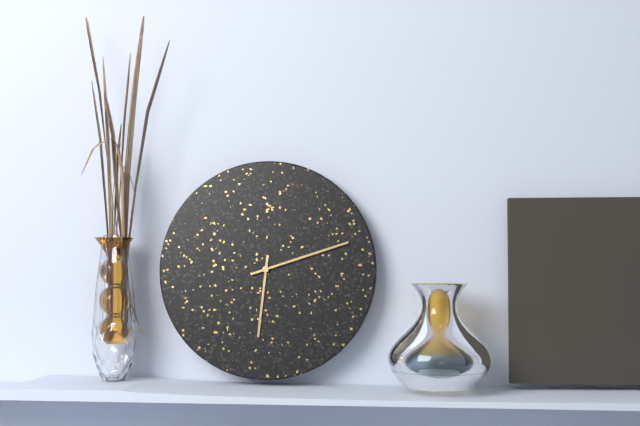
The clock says 6,12
